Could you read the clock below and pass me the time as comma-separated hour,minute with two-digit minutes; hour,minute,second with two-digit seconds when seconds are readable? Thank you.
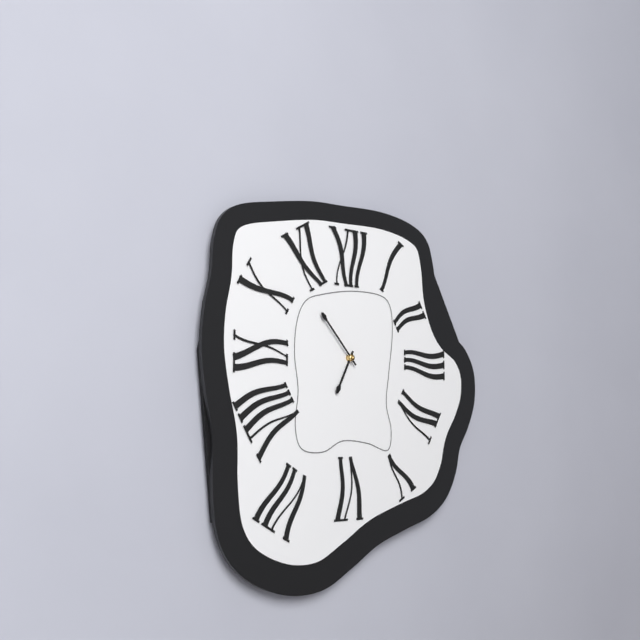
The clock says 6,53
